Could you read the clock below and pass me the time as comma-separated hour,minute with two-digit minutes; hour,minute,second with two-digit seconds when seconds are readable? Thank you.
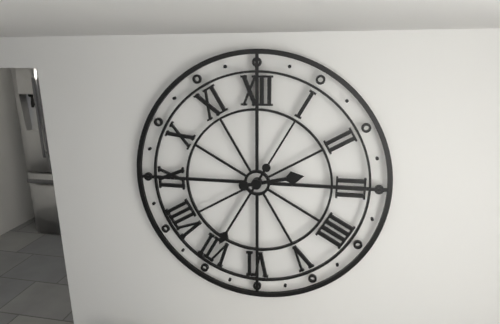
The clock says 2,35
